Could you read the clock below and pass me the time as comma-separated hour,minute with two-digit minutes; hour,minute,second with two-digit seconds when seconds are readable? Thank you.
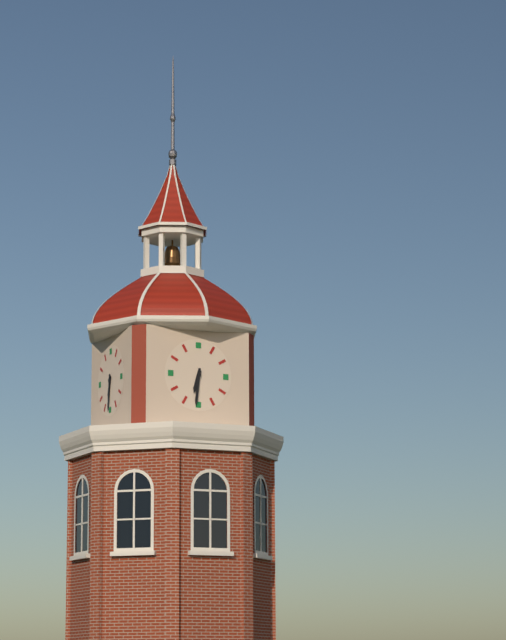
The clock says 6,31
